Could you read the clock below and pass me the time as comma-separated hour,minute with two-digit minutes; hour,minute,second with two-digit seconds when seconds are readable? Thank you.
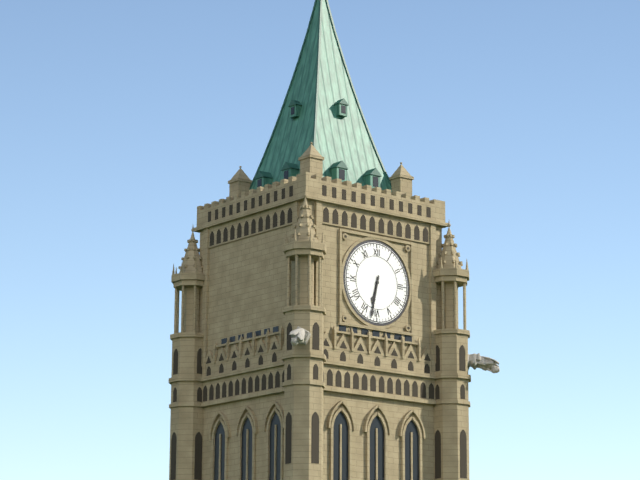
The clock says 6,32
